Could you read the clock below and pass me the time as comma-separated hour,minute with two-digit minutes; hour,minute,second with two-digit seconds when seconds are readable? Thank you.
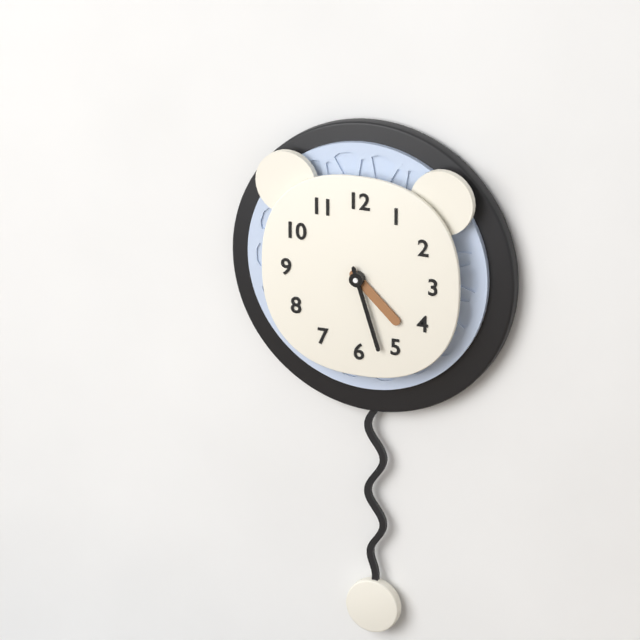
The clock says 4,27
